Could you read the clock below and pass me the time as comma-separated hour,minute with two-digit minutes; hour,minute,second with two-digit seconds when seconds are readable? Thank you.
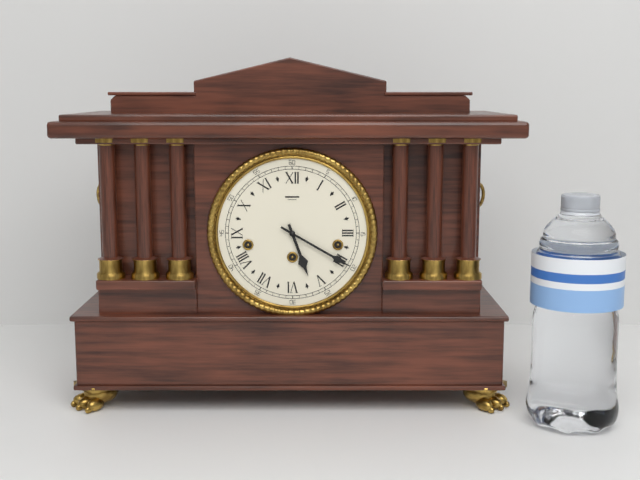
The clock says 5,20
